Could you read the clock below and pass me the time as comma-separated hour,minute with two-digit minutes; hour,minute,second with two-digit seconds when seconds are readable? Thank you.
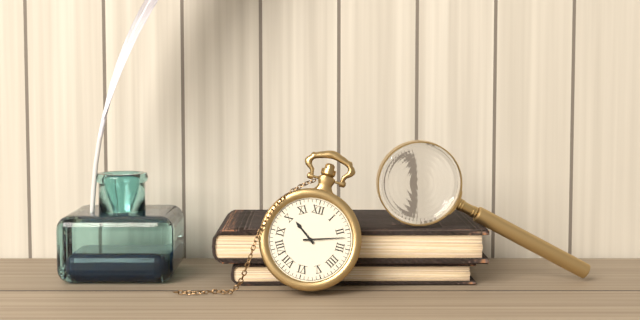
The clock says 10,12
